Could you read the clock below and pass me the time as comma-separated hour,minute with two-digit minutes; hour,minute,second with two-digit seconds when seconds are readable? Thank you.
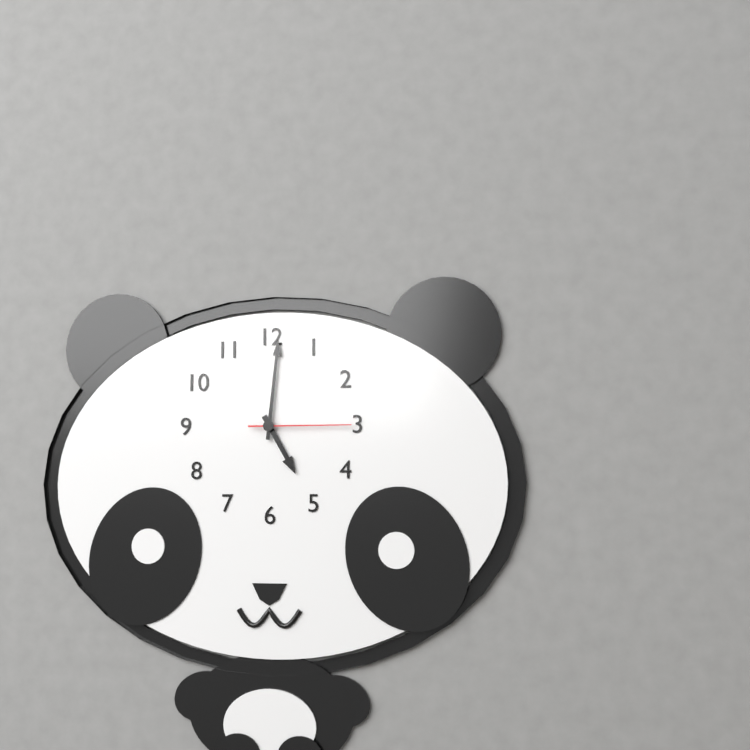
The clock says 5,01,15
